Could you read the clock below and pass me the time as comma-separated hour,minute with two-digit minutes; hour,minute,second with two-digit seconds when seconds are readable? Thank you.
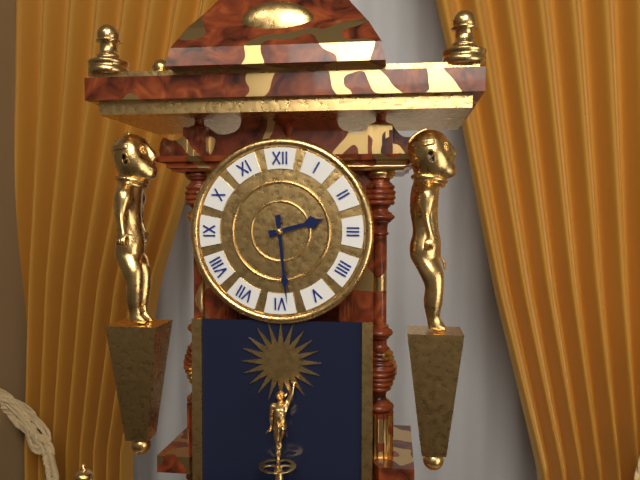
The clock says 2,29
